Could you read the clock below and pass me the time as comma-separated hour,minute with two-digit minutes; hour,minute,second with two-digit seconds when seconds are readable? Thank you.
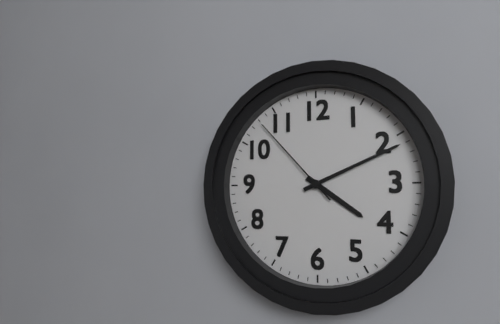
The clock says 4,11,53
